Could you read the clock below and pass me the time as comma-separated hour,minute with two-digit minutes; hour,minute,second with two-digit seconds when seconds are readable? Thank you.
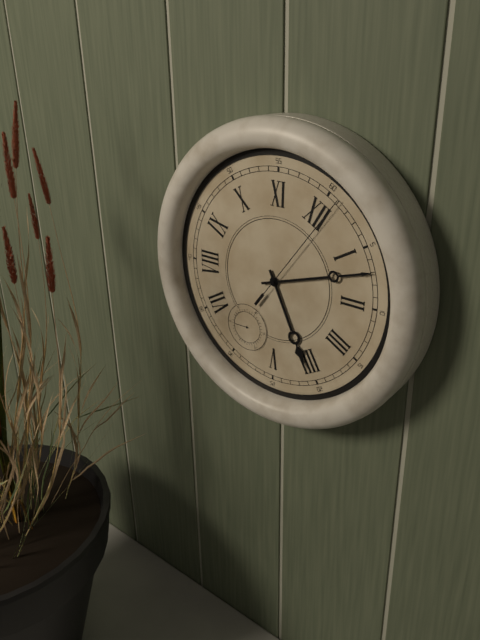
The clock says 4,07,01
